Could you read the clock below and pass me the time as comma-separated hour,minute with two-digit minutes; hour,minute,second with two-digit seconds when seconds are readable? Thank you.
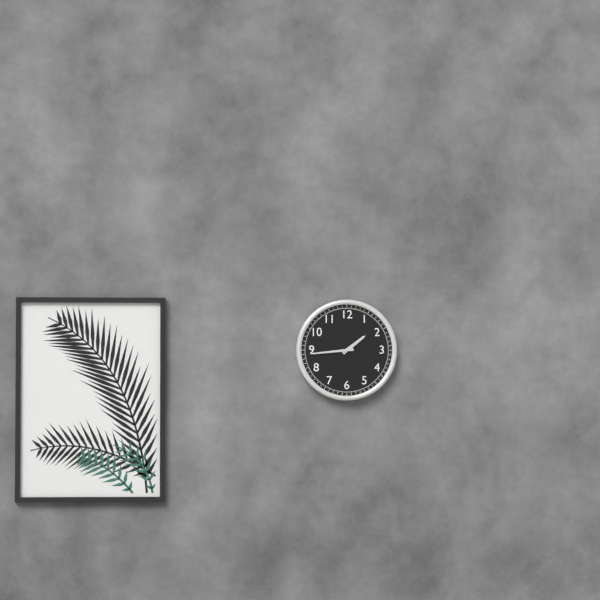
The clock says 1,44
